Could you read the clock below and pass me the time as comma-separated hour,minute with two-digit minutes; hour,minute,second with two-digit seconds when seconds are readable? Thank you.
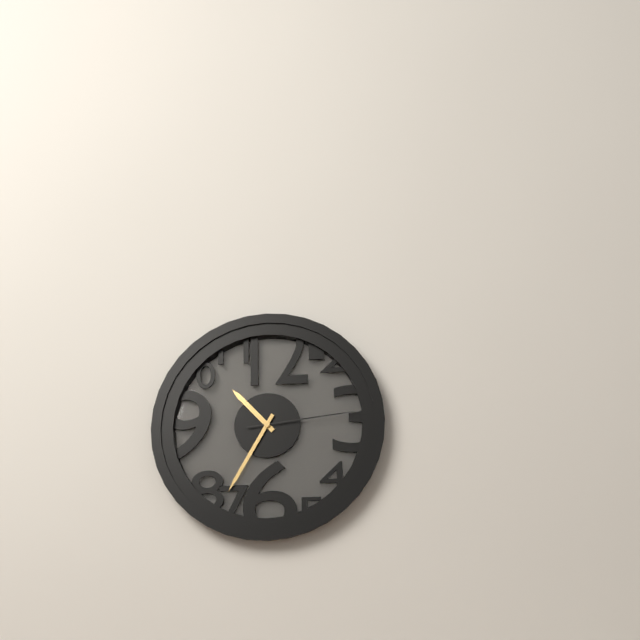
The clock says 10,35,14
